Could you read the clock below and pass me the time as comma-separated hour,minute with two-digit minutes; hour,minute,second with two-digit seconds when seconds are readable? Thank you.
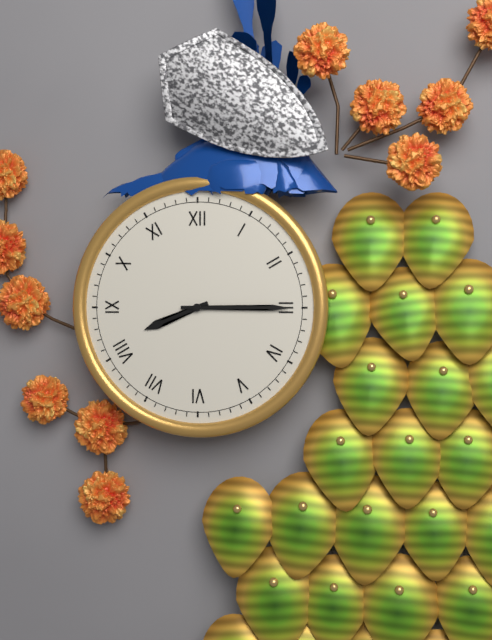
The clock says 8,15
